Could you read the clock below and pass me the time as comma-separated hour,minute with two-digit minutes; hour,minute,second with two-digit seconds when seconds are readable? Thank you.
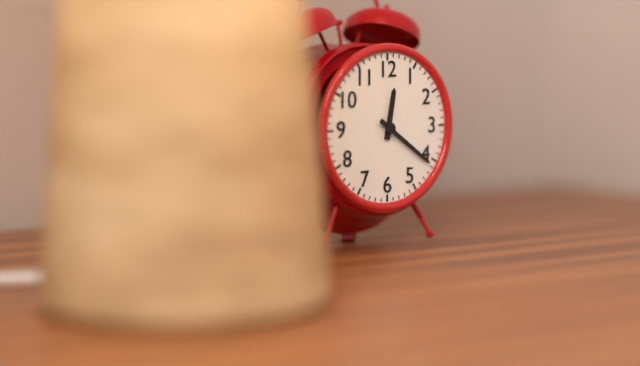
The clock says 12,21
